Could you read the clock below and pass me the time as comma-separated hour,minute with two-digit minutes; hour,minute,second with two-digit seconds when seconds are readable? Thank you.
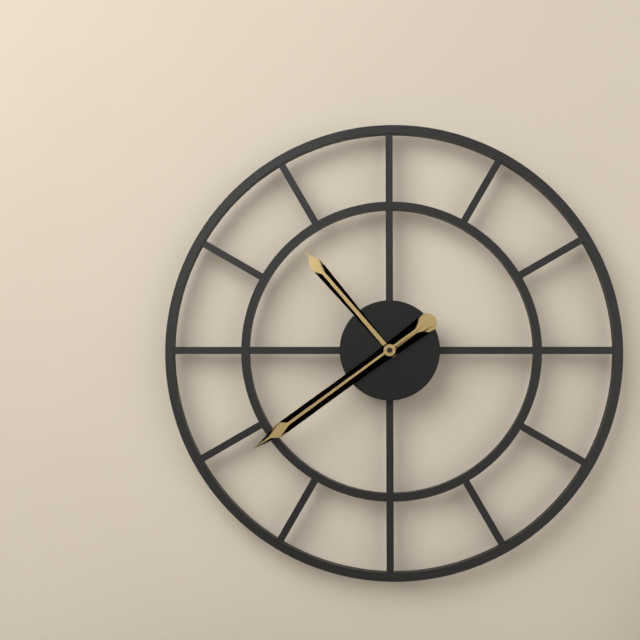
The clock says 10,39
